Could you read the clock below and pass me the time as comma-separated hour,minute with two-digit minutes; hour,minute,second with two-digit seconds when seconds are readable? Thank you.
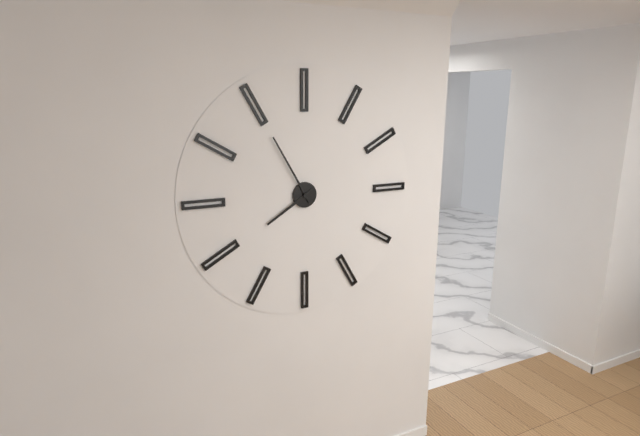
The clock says 7,55
